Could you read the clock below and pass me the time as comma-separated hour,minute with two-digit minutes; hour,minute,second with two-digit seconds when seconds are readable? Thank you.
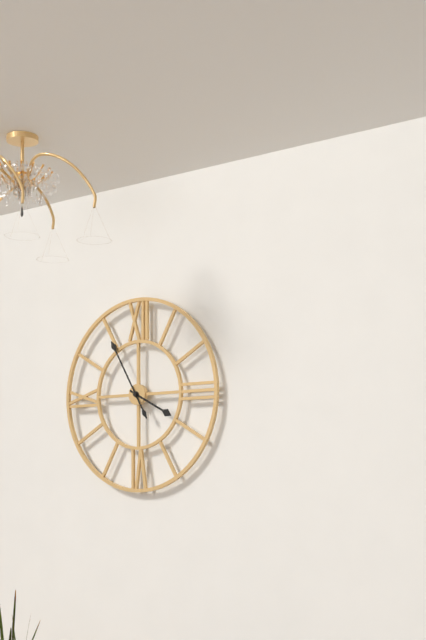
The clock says 3,55
